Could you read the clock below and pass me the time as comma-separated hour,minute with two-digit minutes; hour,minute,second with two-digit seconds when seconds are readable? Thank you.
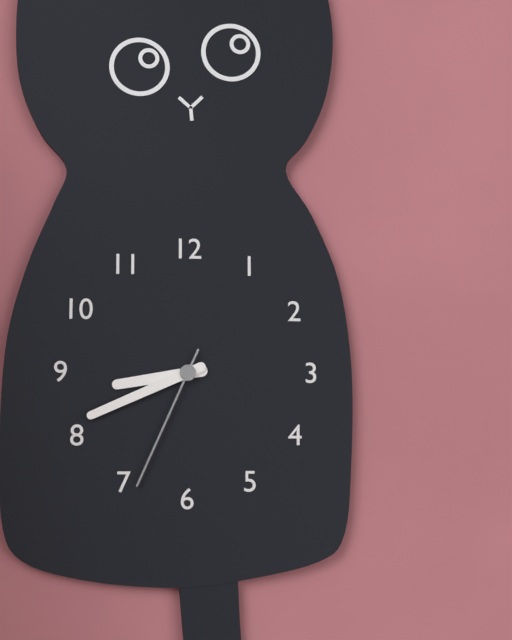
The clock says 8,41,34
